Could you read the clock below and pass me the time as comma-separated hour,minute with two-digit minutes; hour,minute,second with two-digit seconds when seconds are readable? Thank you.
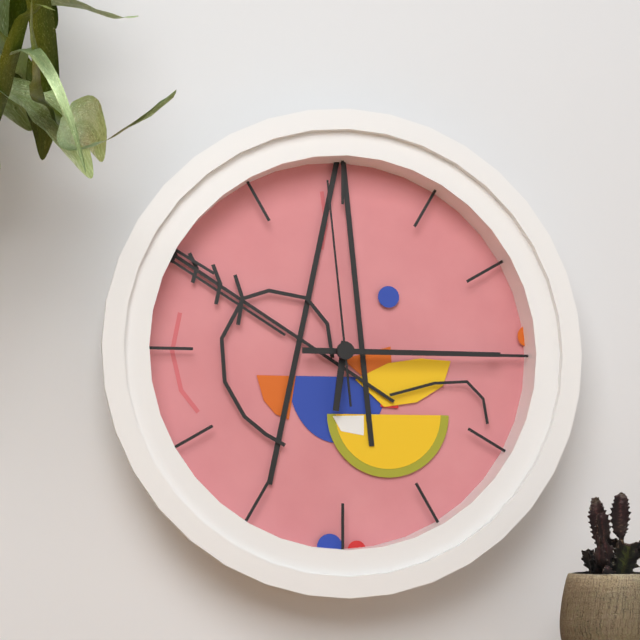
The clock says 6,15,59
